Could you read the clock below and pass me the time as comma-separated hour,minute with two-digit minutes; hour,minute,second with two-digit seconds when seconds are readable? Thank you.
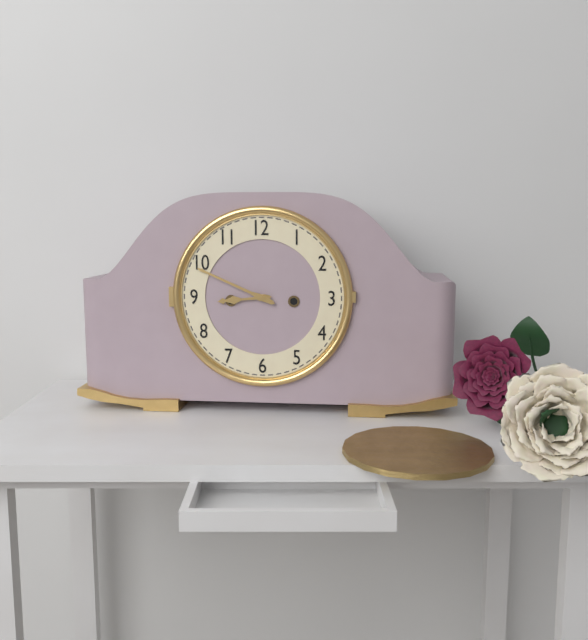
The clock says 8,49
